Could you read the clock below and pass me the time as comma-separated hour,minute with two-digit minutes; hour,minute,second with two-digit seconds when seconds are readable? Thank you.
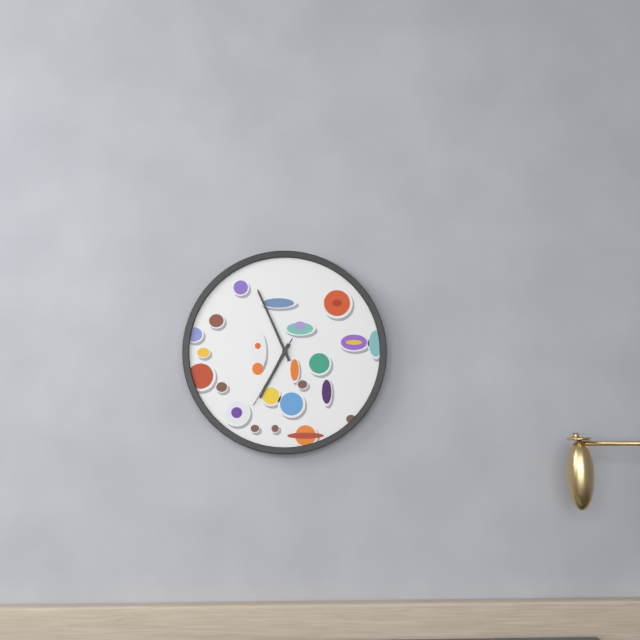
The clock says 6,56,35
